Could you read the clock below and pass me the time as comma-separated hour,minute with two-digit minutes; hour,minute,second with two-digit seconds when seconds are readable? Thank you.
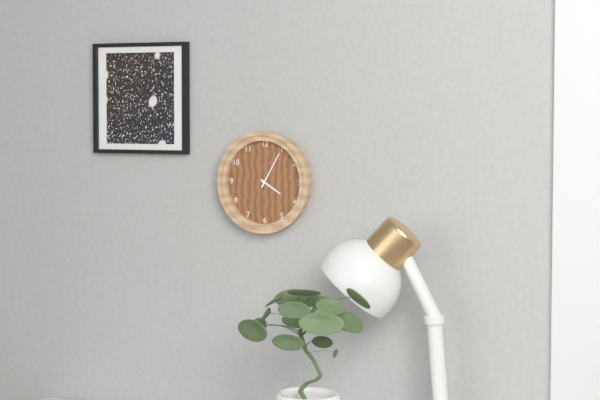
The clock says 4,05
